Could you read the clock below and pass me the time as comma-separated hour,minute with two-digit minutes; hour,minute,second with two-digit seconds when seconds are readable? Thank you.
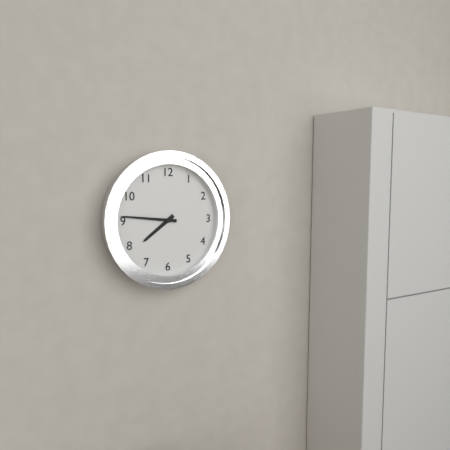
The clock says 7,46
